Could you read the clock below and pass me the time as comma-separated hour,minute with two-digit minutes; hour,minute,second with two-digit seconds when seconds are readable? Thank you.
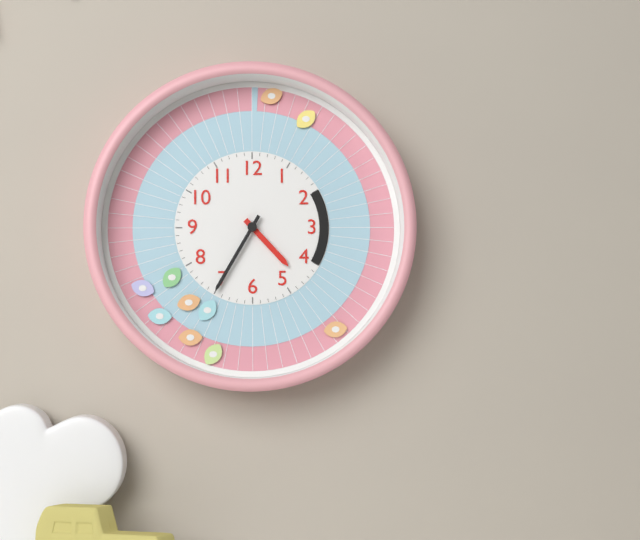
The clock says 4,35
